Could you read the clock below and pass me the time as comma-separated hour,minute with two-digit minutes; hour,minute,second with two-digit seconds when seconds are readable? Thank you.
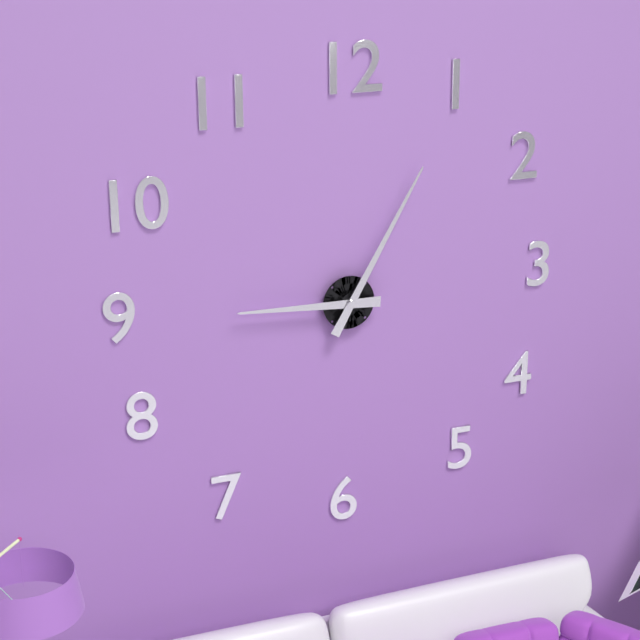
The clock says 9,05
